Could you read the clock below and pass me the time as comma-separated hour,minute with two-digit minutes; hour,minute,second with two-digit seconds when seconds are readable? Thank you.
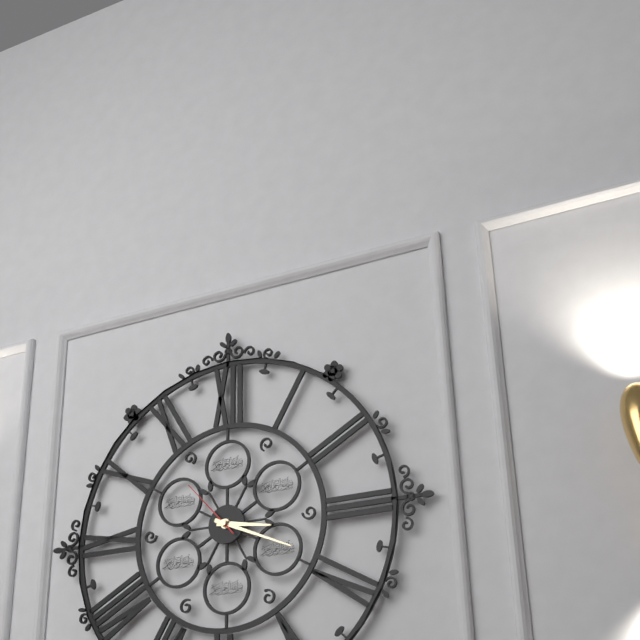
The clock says 3,19,53
